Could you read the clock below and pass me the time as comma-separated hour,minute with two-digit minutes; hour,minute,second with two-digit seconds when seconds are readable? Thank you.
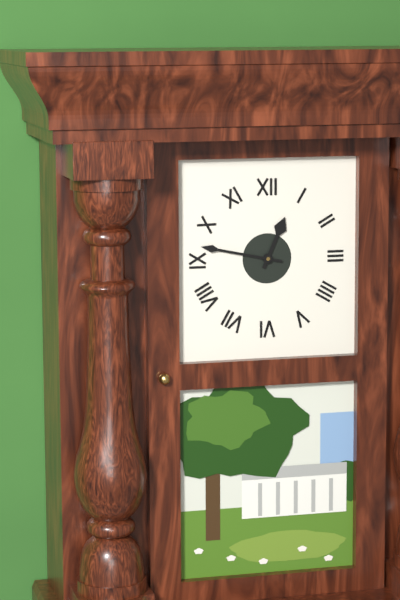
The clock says 12,47
